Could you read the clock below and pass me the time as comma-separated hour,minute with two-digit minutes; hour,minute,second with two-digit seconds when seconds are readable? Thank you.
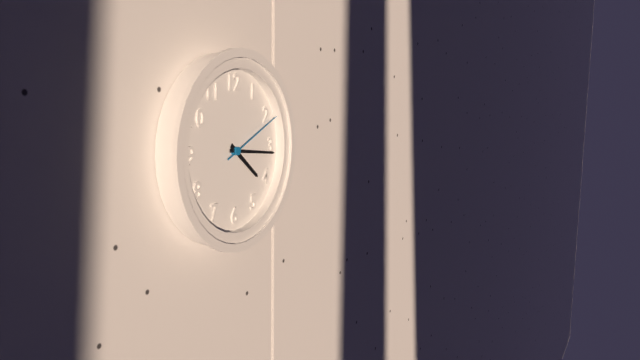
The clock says 4,16,11
